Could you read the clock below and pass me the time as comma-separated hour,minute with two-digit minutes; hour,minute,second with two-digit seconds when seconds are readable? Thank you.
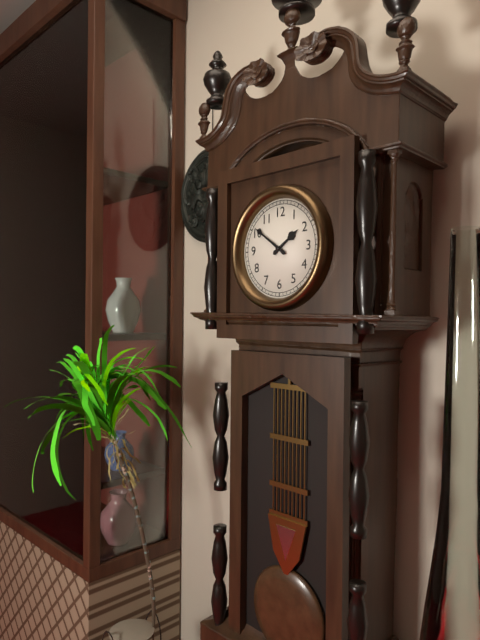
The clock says 1,51
